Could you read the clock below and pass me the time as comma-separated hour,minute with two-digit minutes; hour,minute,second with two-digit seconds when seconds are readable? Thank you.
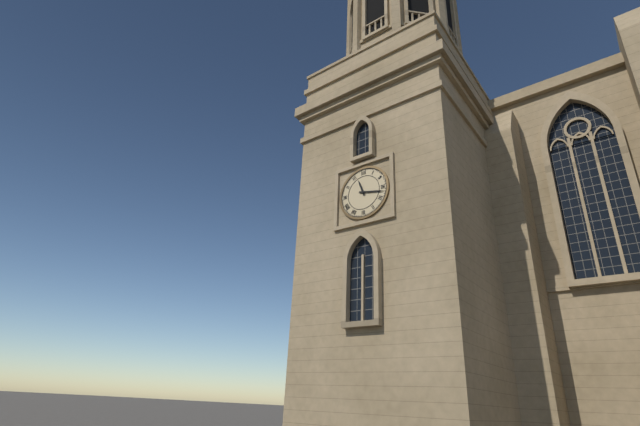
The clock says 11,17
